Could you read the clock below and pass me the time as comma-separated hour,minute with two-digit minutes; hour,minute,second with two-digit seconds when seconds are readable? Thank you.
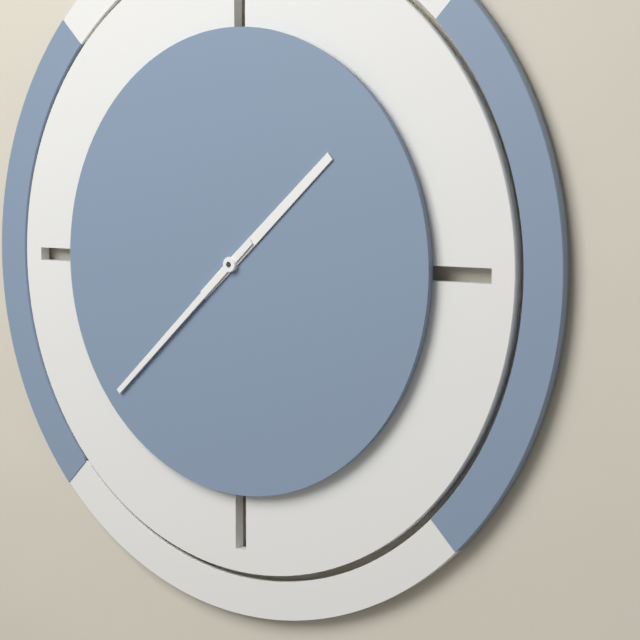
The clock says 1,38
